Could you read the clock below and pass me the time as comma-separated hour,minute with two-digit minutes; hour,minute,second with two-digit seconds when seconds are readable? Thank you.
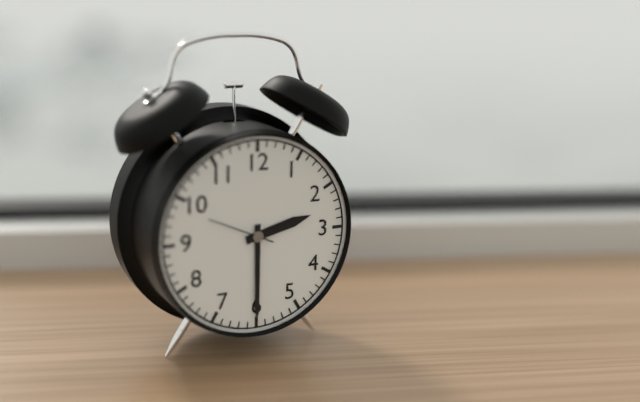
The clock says 2,30
